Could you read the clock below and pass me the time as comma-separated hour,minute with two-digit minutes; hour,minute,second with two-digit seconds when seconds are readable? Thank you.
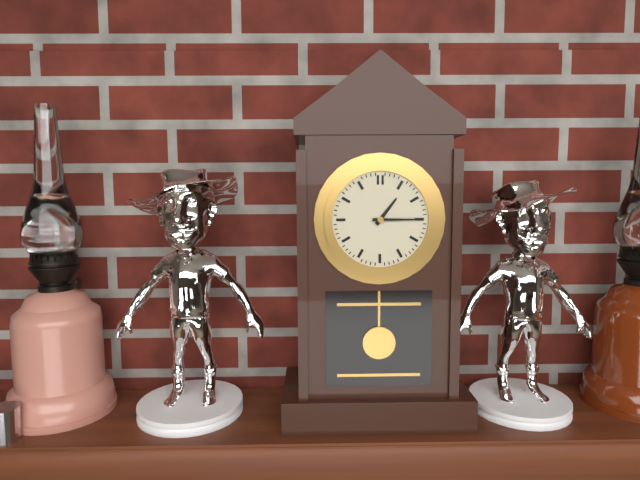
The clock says 1,15
